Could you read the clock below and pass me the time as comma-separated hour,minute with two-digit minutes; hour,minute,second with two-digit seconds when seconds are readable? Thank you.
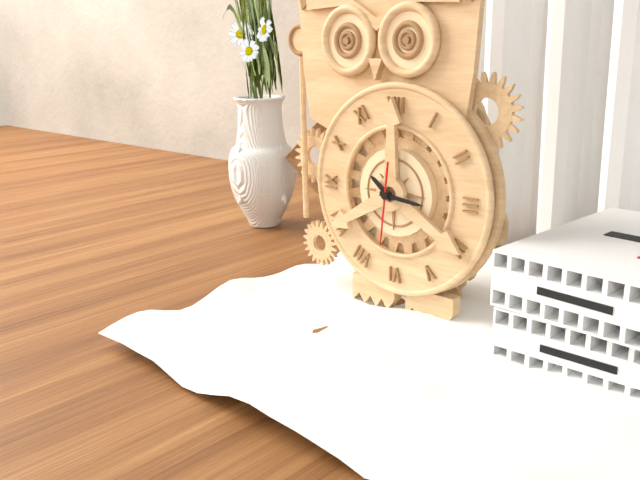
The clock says 10,16,31
